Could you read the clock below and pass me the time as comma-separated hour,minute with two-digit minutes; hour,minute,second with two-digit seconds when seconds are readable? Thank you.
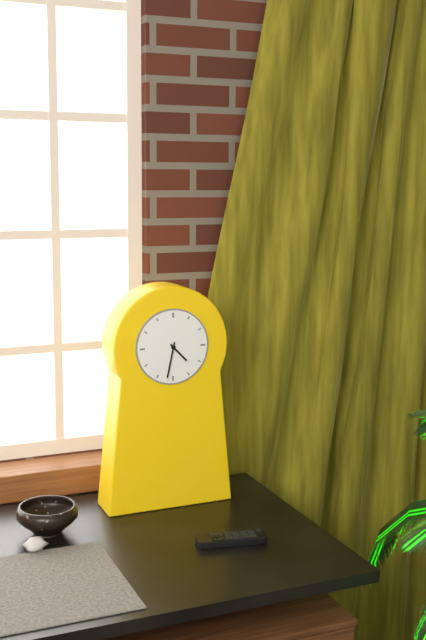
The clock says 4,32
